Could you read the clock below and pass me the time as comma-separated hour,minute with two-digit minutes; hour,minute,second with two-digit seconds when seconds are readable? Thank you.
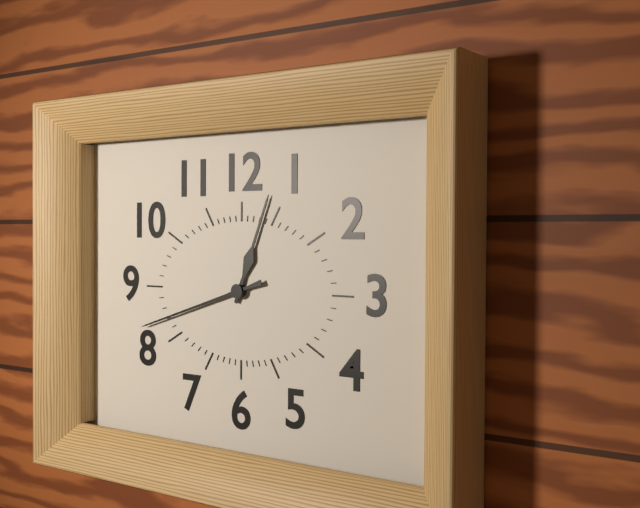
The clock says 12,42
